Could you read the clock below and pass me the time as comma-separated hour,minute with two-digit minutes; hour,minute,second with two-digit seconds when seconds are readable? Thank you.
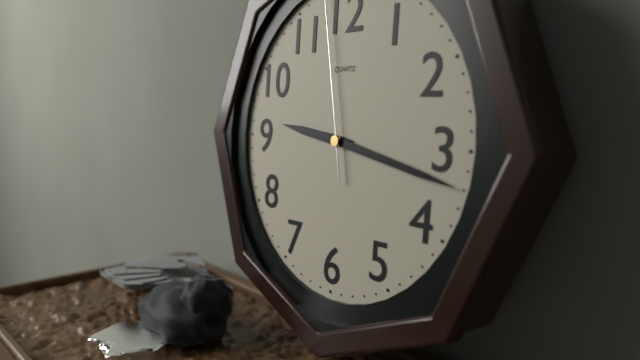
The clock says 9,17
